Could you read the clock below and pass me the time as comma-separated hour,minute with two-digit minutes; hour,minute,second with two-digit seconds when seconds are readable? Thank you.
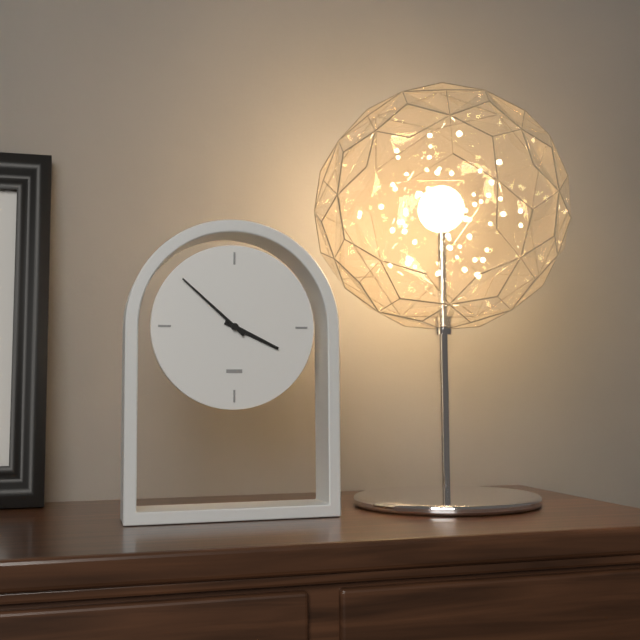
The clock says 3,52
